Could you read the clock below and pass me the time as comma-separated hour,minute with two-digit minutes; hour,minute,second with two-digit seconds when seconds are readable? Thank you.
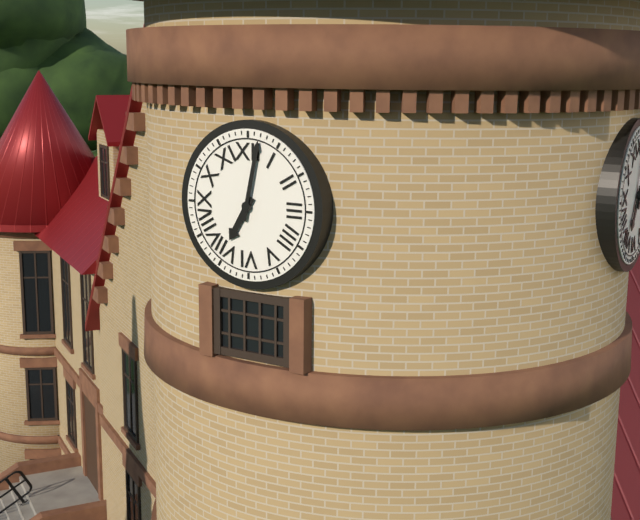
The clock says 7,02
